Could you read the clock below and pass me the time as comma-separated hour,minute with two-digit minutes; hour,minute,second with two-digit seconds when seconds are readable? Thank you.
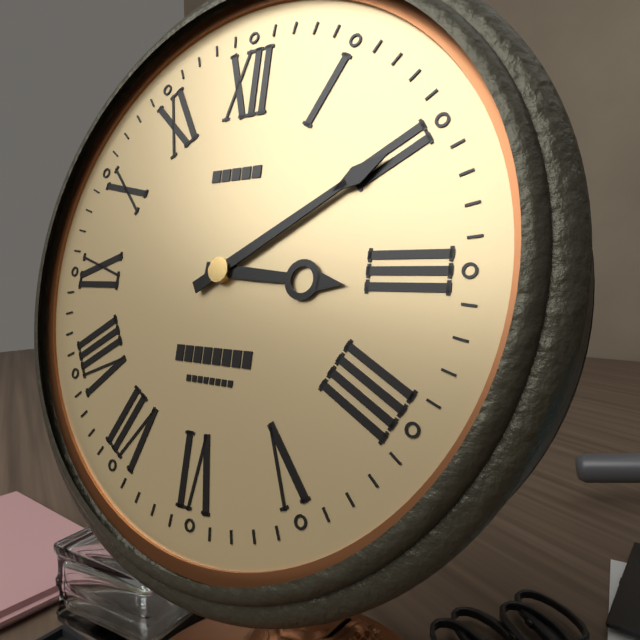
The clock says 3,10
